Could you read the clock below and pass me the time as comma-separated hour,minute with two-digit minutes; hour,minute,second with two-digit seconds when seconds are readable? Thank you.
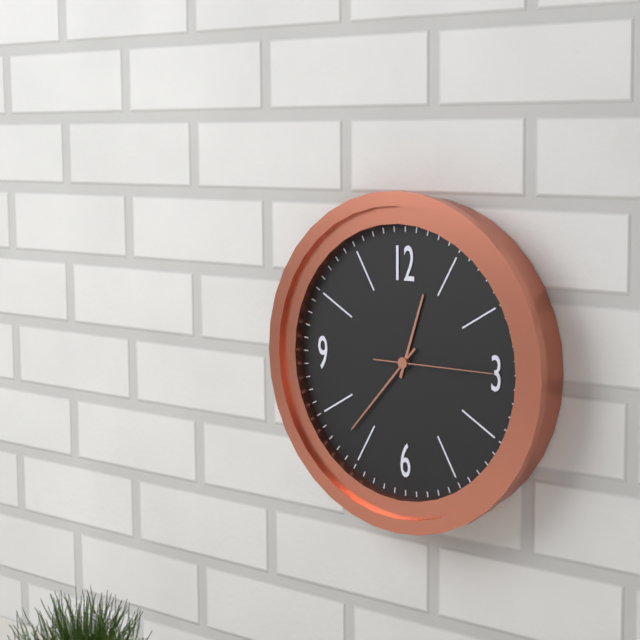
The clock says 12,37,15
